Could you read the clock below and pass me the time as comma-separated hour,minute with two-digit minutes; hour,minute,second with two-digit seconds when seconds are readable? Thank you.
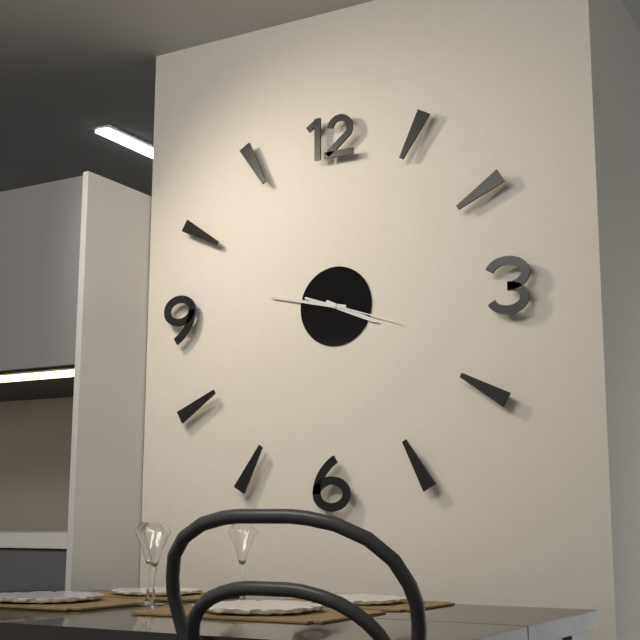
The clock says 3,47,18
